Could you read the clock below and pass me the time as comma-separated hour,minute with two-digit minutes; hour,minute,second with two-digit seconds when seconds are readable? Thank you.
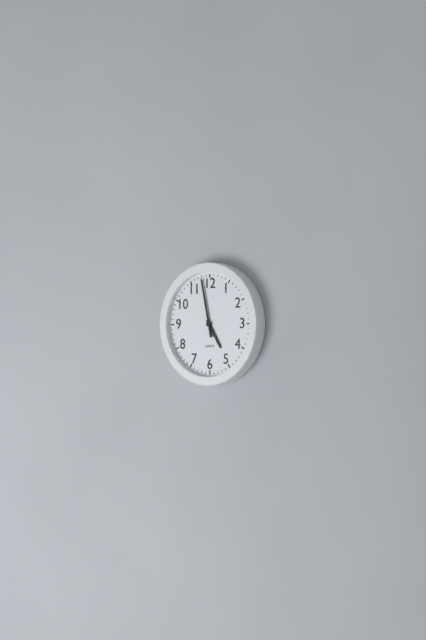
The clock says 4,58
